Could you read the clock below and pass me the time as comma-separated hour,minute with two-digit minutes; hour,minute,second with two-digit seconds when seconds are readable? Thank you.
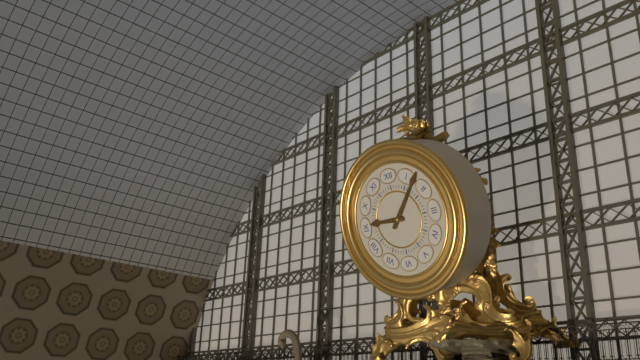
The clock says 9,07
